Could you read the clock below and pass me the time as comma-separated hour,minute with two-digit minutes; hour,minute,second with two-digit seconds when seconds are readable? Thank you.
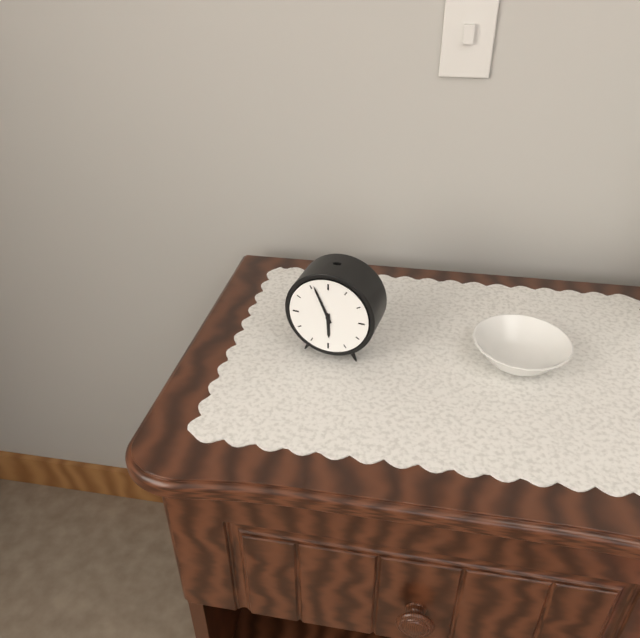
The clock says 5,56
